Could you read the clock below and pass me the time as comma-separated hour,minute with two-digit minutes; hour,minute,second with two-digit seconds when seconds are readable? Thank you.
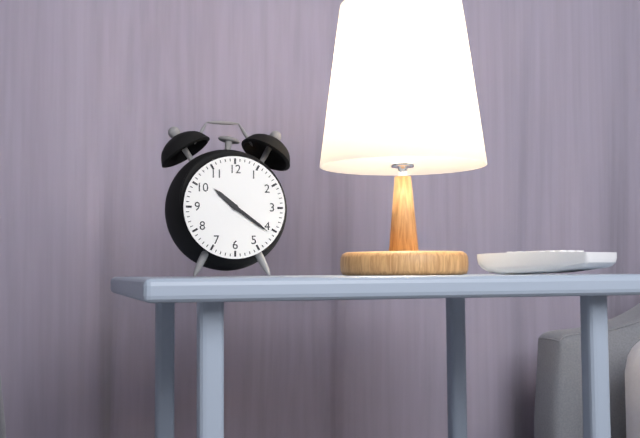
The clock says 10,21
